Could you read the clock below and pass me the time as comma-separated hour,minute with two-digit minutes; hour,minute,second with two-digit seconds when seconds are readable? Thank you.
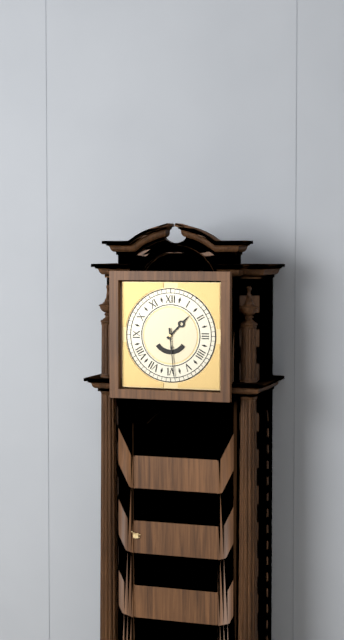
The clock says 1,29
